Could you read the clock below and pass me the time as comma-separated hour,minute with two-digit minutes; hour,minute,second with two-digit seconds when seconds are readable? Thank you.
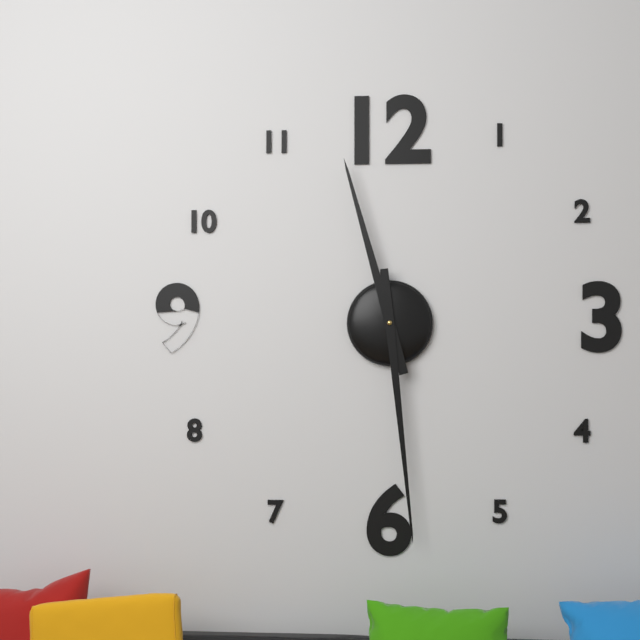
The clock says 11,29
